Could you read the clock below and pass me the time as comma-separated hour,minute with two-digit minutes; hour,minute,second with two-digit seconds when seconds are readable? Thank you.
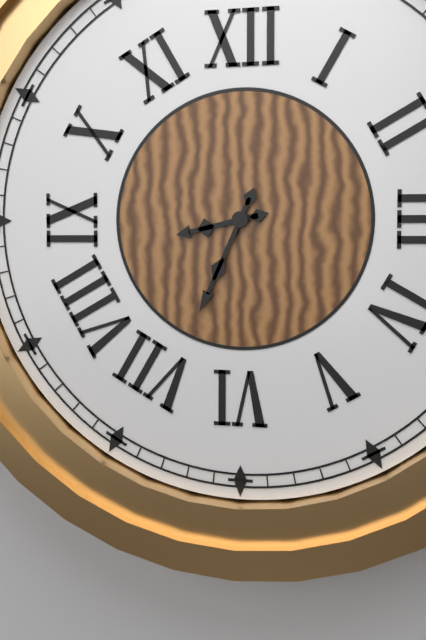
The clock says 8,34
